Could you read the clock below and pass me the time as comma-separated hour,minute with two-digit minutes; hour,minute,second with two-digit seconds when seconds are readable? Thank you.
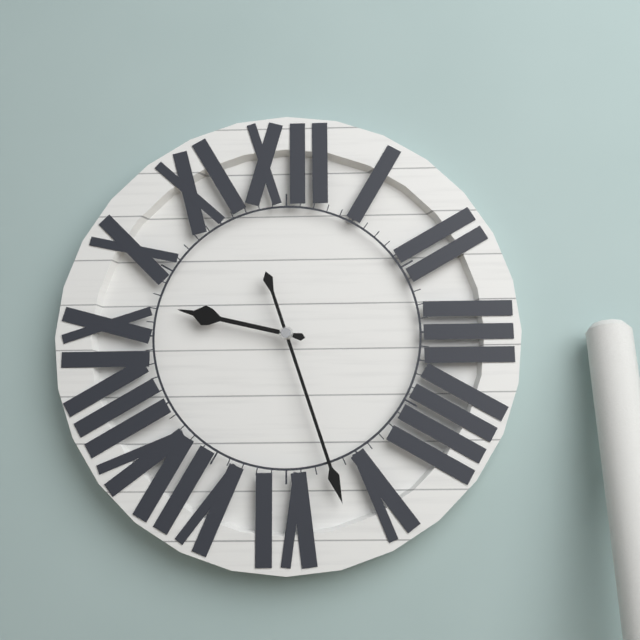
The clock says 9,27
